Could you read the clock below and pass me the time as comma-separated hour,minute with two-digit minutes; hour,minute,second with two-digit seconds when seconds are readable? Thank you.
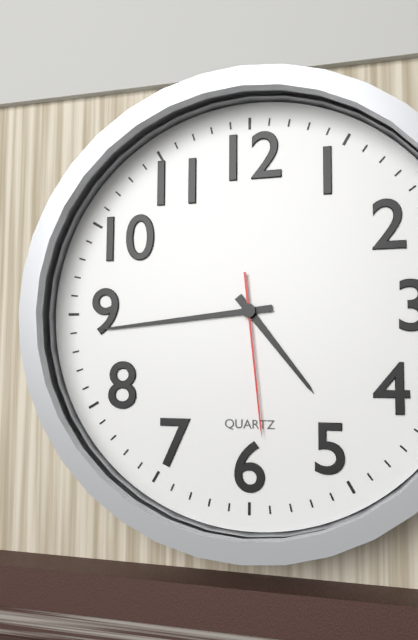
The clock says 4,44,29
